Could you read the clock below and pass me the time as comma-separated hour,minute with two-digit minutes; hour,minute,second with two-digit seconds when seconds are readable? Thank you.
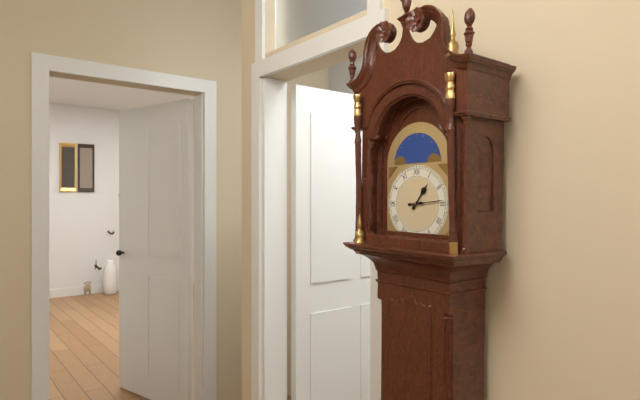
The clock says 1,14
